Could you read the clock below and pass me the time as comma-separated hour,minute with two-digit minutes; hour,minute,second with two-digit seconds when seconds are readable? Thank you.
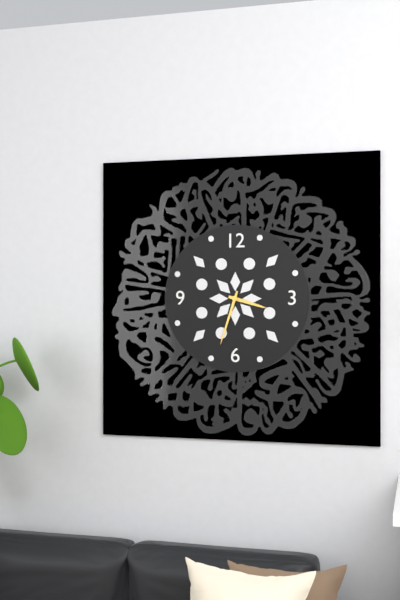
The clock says 3,33
